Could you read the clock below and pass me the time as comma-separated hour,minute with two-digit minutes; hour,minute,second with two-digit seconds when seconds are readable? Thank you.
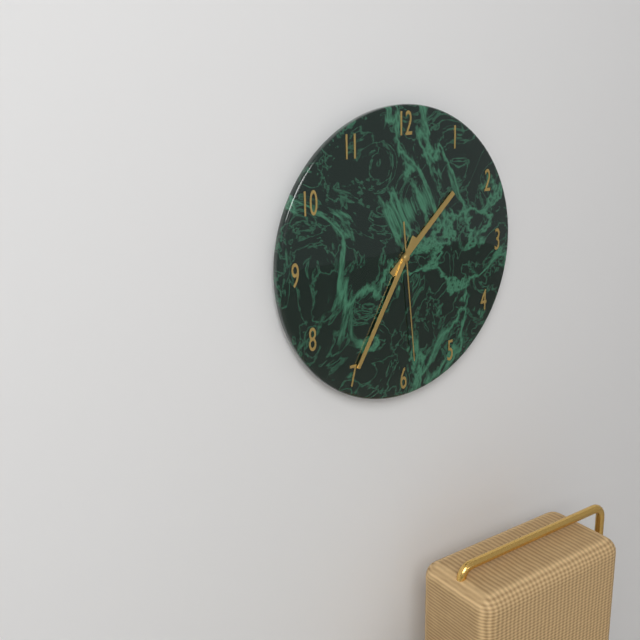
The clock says 1,35,29
